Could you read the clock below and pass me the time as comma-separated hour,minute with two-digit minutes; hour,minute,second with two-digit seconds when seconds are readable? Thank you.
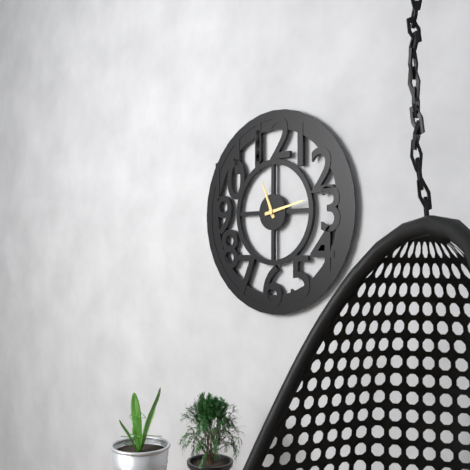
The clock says 11,13
